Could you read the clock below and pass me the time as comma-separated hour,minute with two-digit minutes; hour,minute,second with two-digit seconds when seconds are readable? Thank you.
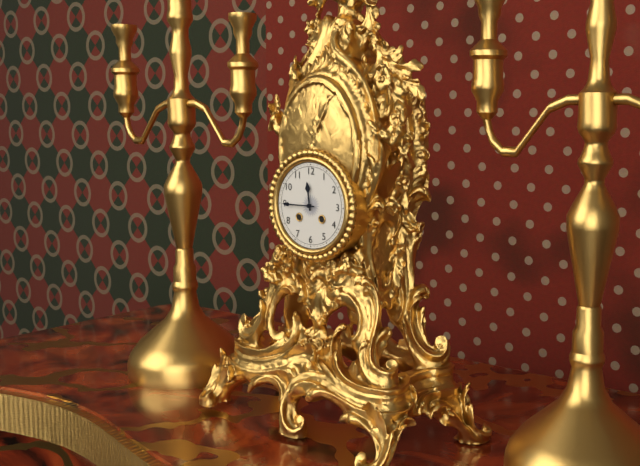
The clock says 11,45
